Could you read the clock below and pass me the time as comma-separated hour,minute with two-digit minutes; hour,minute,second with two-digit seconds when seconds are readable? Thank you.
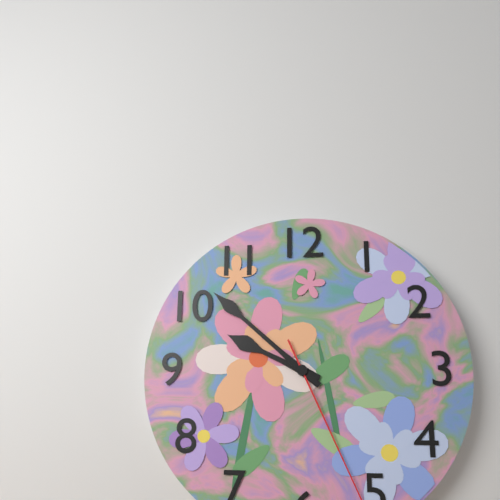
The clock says 9,52
